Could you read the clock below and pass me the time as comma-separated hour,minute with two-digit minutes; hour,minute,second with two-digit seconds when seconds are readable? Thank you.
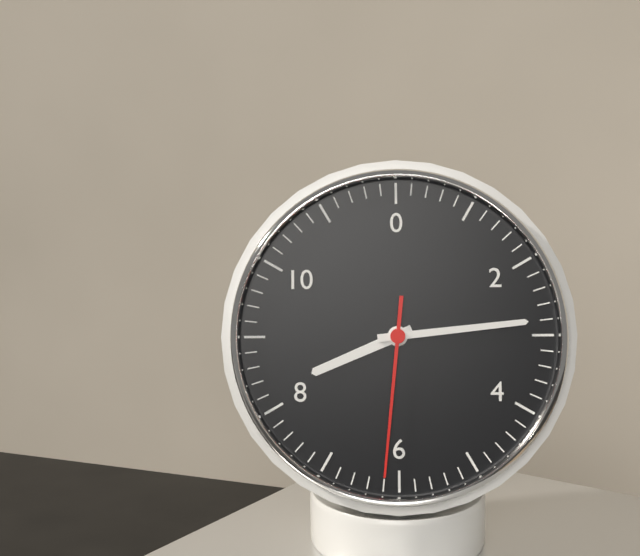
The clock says 8,14,31
